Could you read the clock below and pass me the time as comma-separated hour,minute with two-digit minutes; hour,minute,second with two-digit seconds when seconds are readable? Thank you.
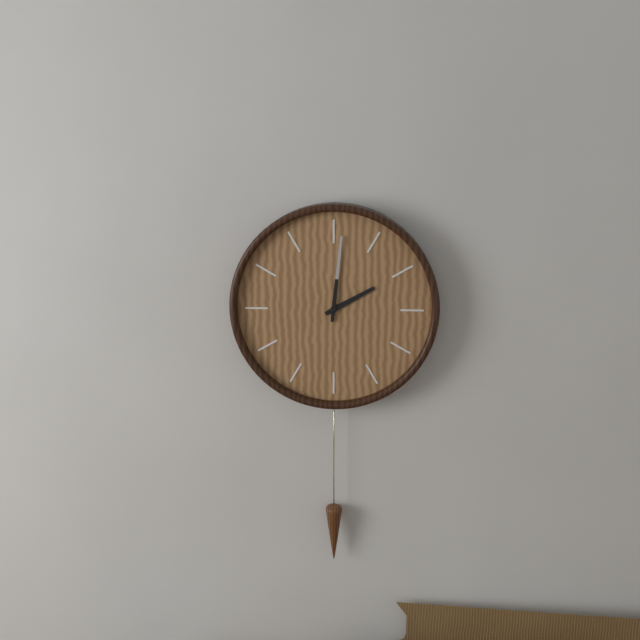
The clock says 2,01
